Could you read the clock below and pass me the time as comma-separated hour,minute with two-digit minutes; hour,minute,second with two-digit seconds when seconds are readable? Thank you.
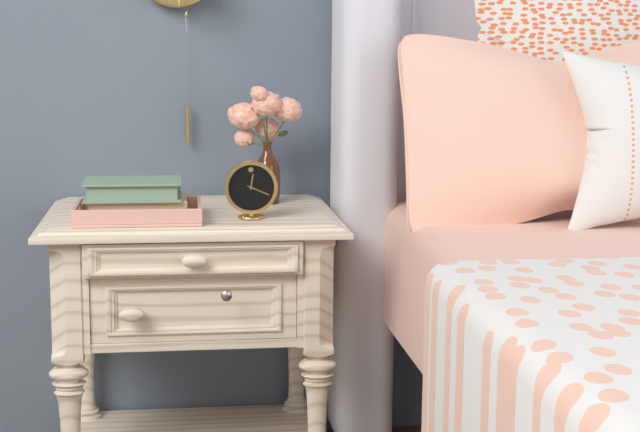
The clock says 12,19
